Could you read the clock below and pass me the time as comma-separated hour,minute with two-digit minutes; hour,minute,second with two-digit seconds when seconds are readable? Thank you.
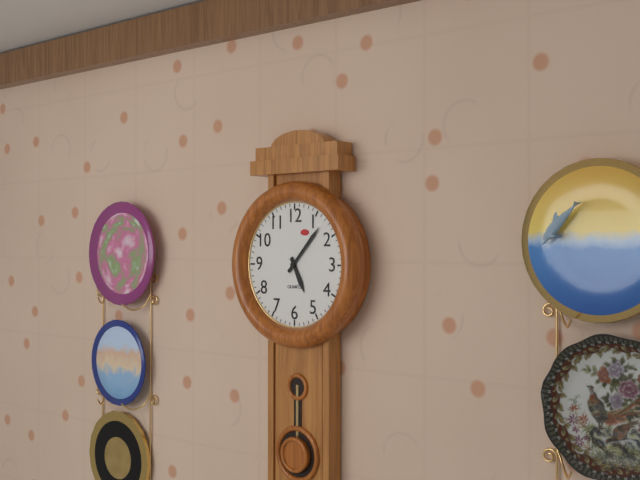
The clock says 5,07
